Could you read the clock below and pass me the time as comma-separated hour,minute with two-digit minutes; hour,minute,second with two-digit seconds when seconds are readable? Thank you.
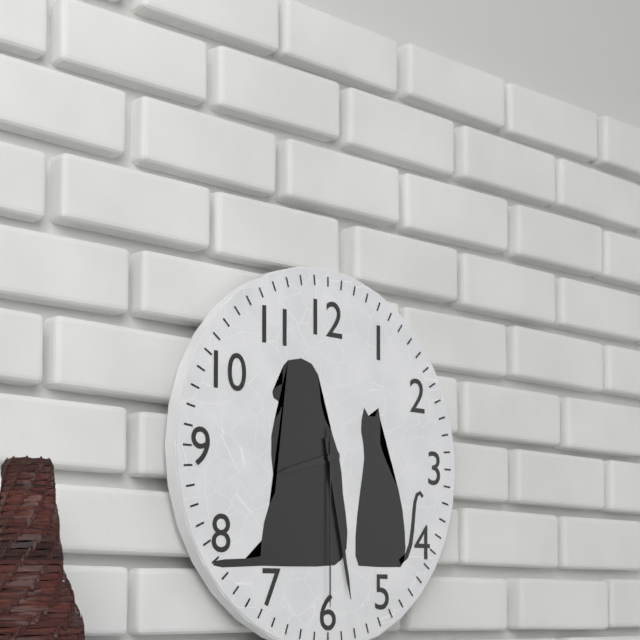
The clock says 8,28,30
